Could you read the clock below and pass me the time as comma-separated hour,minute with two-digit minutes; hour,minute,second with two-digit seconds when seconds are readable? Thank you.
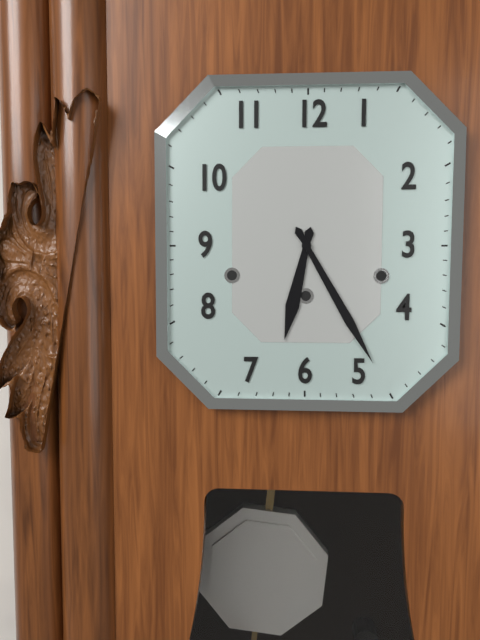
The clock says 6,25
